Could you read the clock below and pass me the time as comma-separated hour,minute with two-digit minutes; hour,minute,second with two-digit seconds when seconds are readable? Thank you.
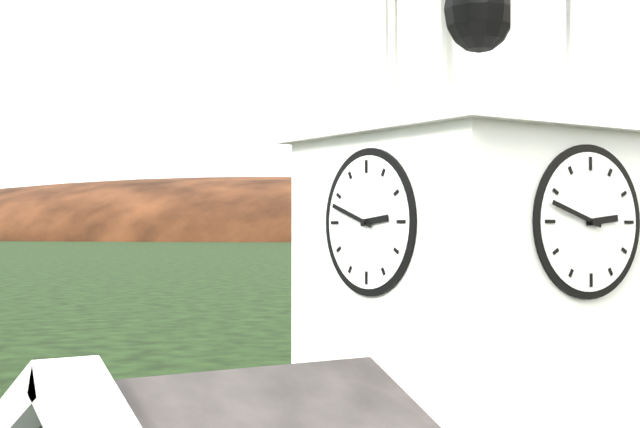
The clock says 2,48
